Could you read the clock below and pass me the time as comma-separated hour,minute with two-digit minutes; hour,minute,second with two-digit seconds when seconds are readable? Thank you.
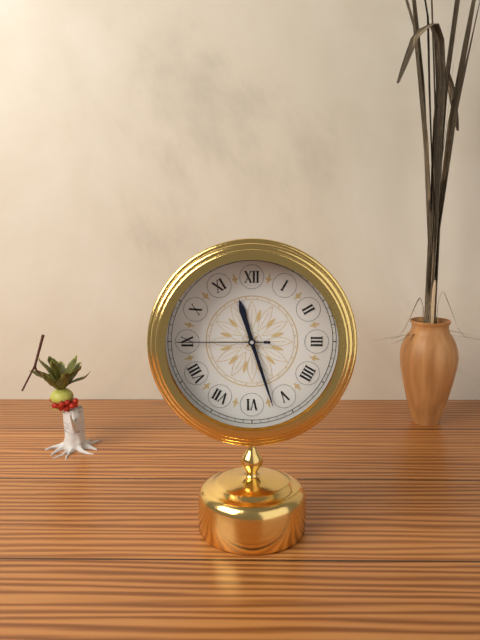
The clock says 11,27,45
